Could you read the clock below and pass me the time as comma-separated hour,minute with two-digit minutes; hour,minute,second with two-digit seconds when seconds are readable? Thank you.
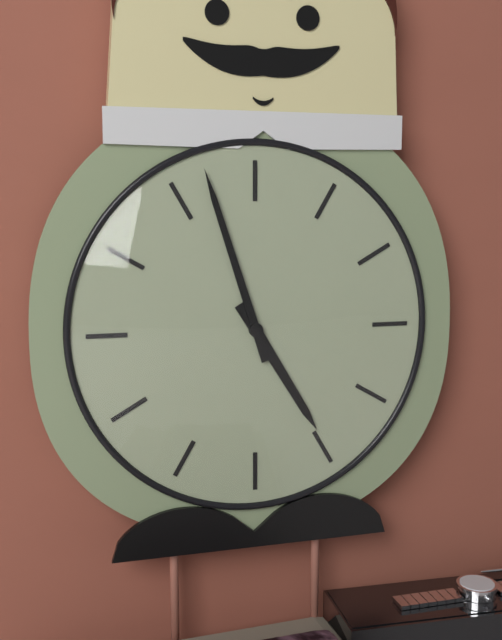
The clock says 4,57
